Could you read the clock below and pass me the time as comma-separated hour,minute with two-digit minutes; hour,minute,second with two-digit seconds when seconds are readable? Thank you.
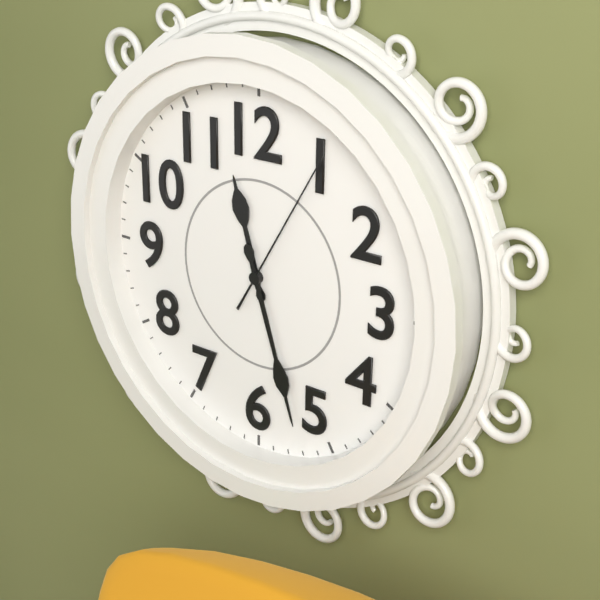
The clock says 11,27,05
